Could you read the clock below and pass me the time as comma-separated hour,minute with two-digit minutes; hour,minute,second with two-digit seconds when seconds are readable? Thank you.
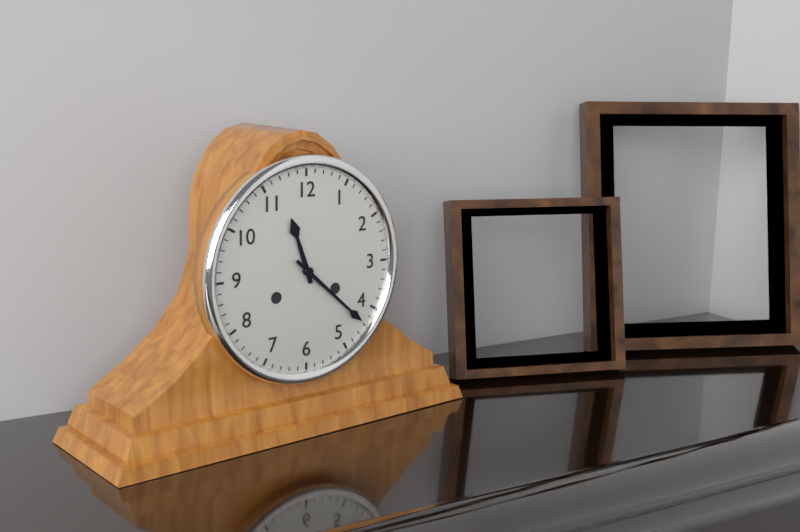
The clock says 11,22
